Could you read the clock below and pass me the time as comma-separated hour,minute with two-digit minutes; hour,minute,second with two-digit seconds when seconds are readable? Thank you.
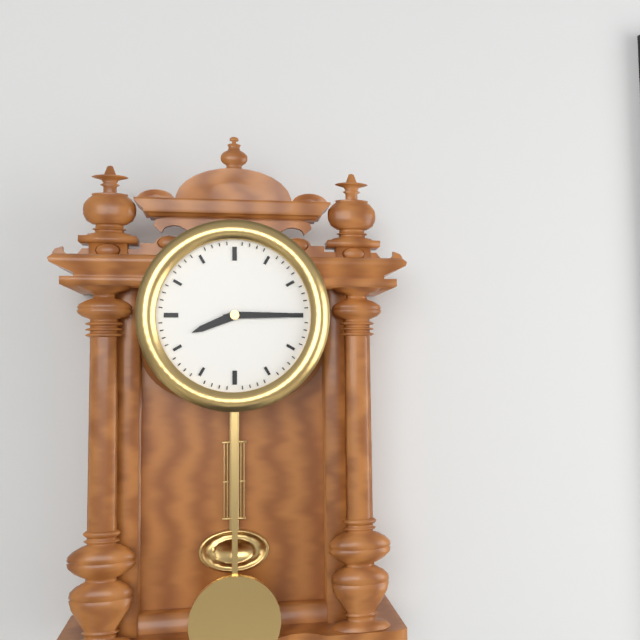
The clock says 8,15
